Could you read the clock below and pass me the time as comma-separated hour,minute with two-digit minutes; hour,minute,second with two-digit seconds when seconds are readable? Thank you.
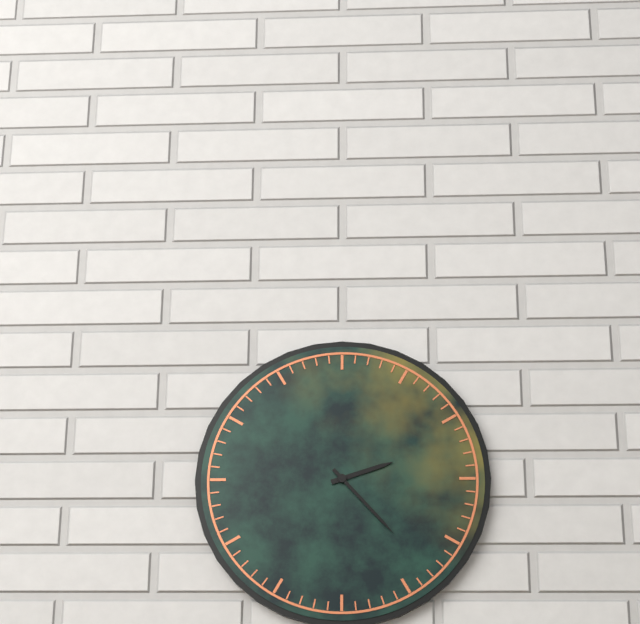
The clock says 2,23
